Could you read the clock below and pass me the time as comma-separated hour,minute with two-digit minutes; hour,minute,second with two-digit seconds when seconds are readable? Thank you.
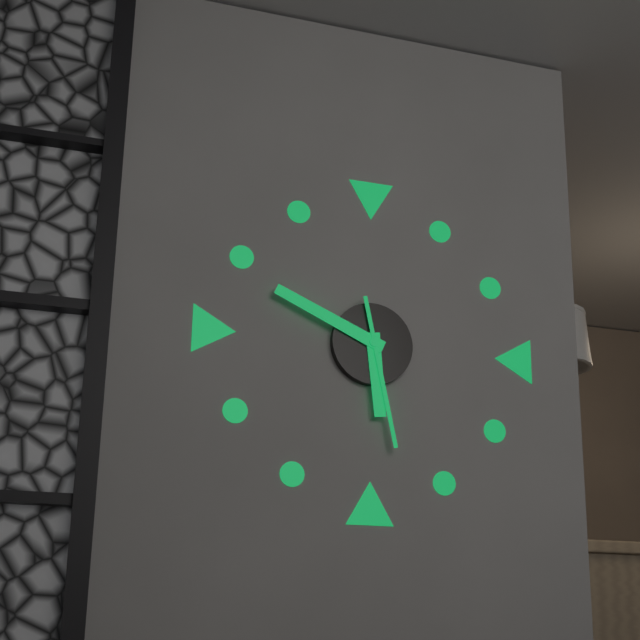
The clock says 5,49,28
